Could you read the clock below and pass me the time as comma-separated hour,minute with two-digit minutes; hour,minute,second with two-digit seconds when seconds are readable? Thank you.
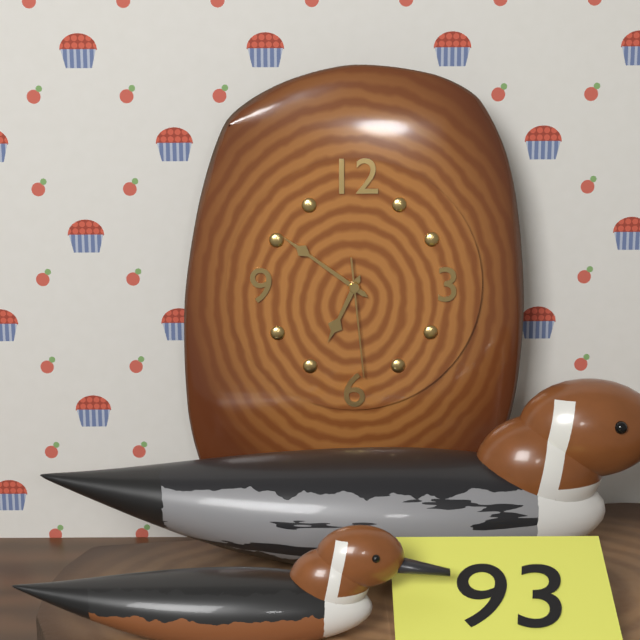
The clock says 6,51,29
